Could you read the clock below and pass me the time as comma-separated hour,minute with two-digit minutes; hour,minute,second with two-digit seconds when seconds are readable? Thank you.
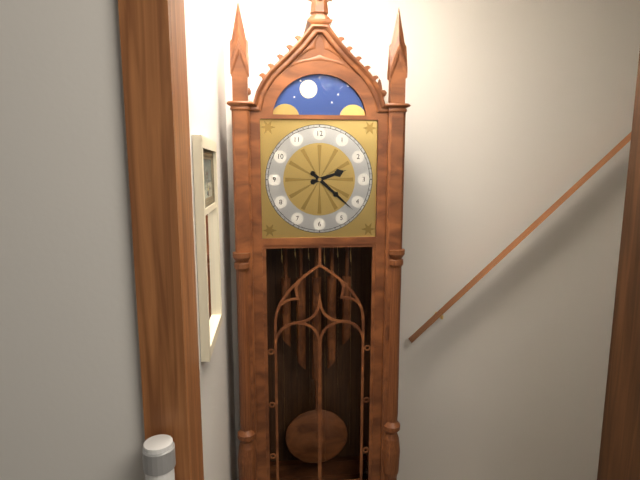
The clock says 2,22
